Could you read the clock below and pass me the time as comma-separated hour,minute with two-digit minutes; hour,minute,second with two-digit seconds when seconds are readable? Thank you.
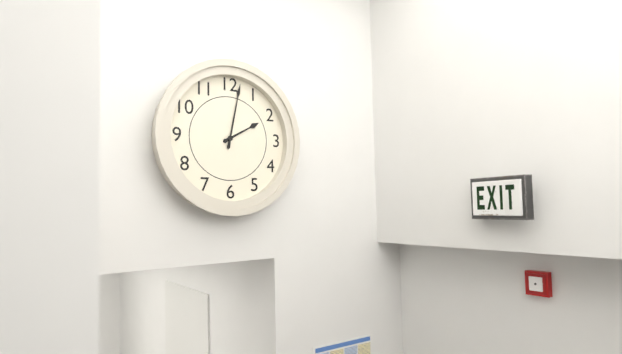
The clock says 2,02
